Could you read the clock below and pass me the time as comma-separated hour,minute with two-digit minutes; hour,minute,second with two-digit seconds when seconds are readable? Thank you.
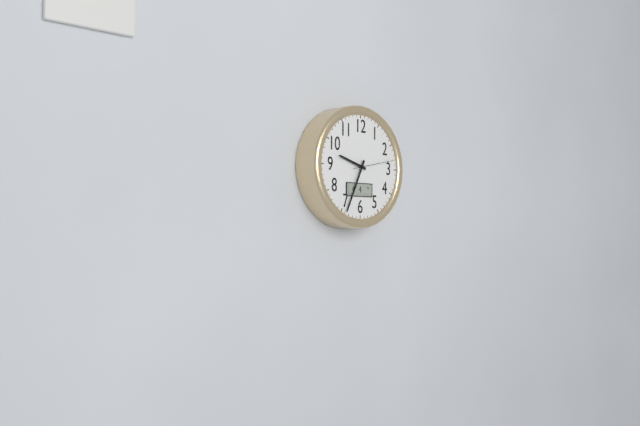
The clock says 9,34
